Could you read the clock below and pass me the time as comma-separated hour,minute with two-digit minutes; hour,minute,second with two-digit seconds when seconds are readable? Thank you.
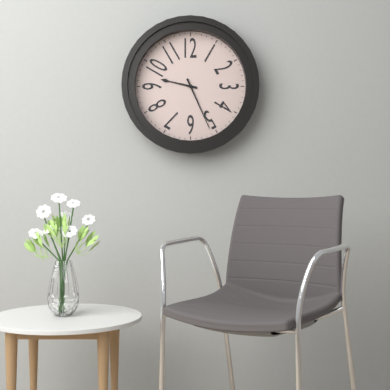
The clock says 9,26
